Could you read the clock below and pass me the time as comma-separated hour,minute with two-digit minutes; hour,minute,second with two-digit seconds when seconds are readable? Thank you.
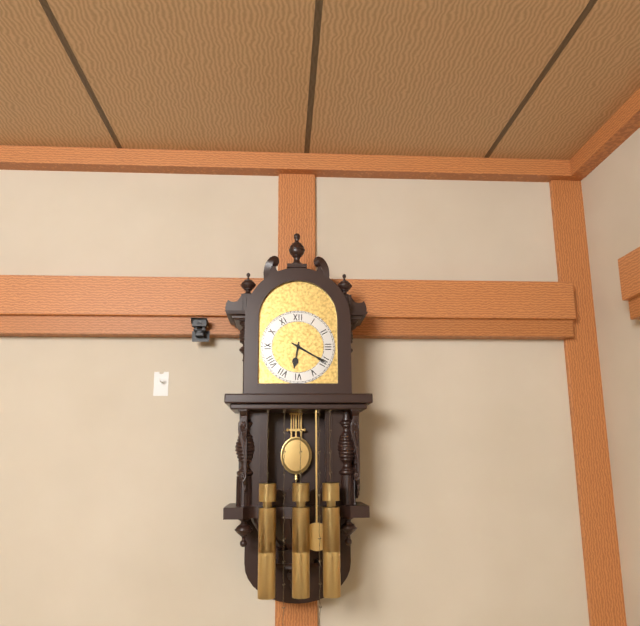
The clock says 6,20
